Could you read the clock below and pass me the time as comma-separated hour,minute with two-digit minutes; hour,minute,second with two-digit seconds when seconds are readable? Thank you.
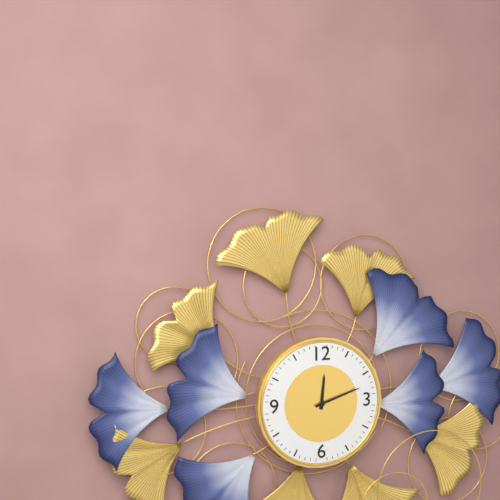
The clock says 12,12
